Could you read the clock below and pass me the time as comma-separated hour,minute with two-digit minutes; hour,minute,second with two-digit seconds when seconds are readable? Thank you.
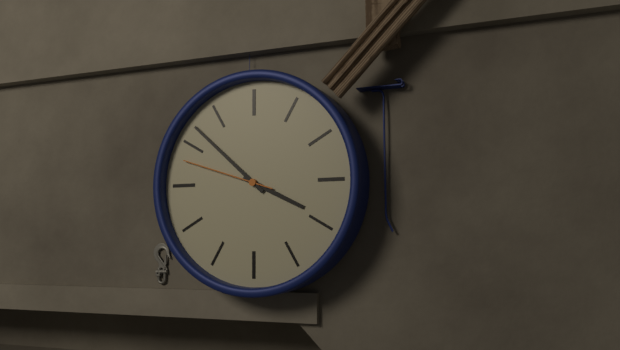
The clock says 3,52,48
